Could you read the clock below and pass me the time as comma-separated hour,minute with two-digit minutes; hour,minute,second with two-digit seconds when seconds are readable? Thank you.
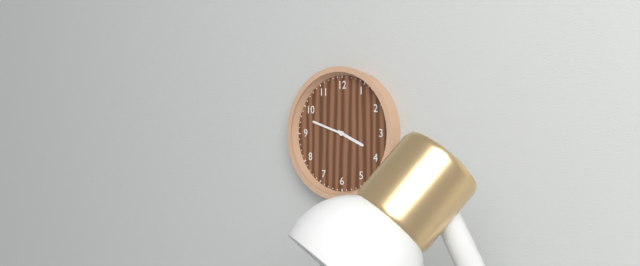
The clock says 3,48
